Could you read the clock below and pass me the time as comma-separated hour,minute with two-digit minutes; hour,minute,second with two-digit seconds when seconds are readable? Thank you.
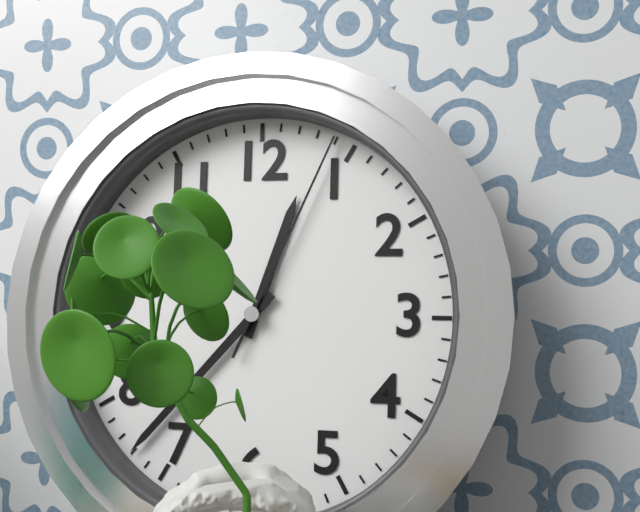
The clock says 12,37,04
